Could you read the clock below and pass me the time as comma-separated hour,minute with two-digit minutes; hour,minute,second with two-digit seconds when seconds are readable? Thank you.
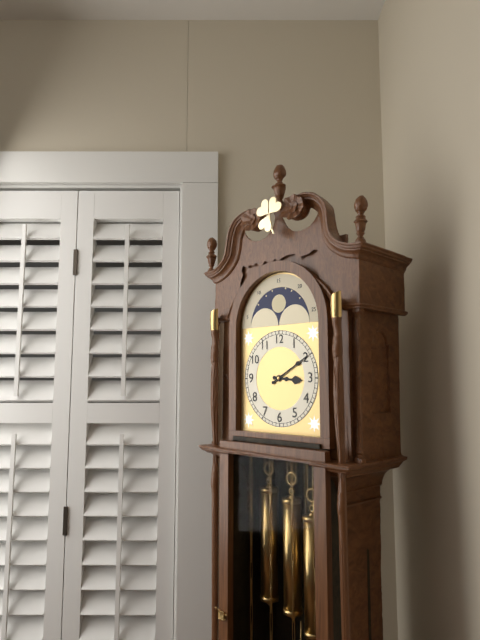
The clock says 3,10
